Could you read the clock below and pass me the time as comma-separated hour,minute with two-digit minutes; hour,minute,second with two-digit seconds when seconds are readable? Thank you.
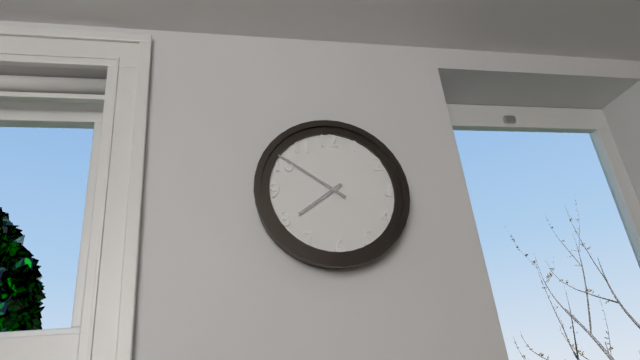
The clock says 7,51
